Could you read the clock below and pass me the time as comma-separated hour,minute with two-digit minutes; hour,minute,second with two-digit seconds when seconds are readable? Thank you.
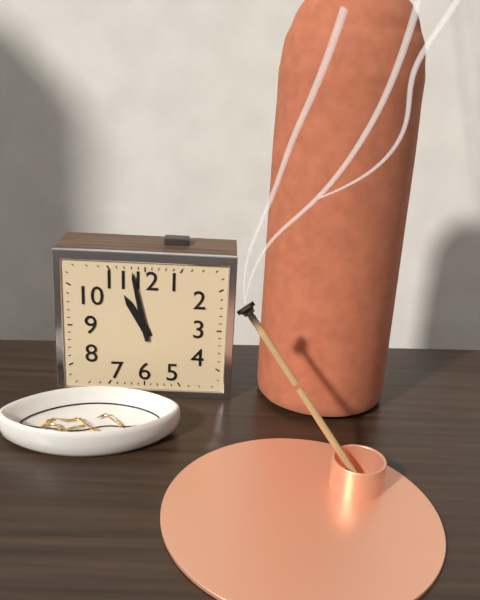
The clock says 10,58
